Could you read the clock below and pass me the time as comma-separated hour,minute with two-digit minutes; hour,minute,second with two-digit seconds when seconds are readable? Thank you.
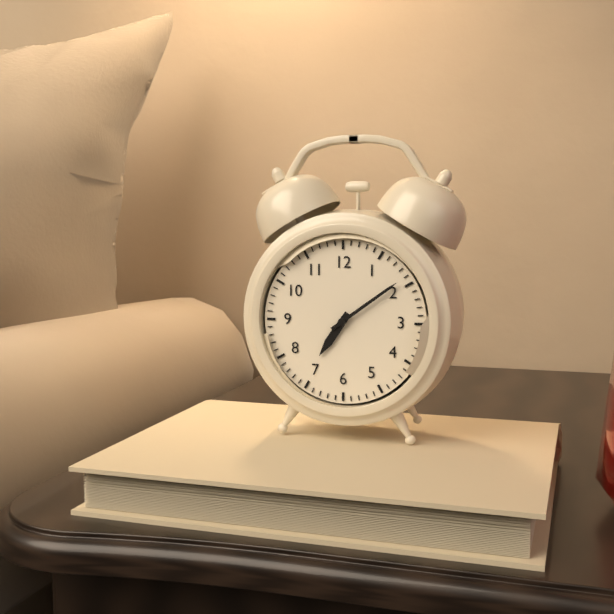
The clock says 7,09
